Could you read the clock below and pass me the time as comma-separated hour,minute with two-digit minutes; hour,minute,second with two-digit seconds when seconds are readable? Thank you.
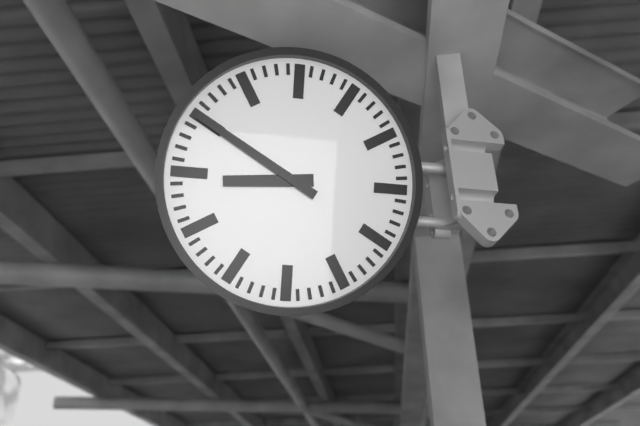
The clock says 8,50
